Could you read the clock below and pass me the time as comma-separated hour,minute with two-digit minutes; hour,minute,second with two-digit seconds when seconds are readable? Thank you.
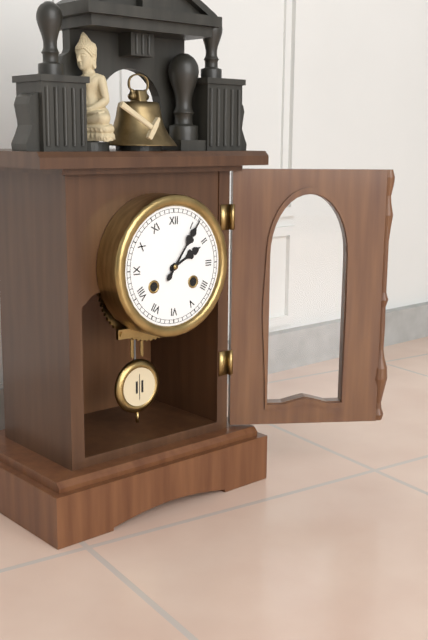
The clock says 2,06
